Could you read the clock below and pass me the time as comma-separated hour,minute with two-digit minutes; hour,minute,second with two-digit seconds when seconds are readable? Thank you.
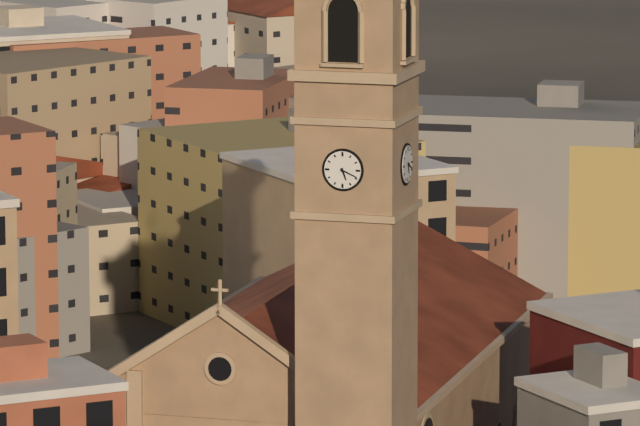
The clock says 5,19
